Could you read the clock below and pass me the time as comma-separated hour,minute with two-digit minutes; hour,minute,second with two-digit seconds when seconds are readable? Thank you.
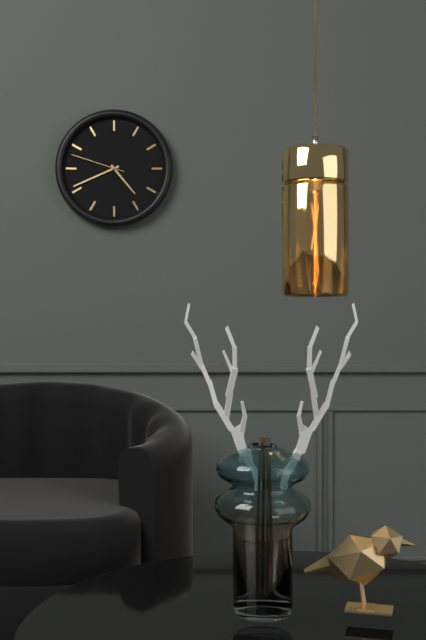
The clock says 4,41,48
